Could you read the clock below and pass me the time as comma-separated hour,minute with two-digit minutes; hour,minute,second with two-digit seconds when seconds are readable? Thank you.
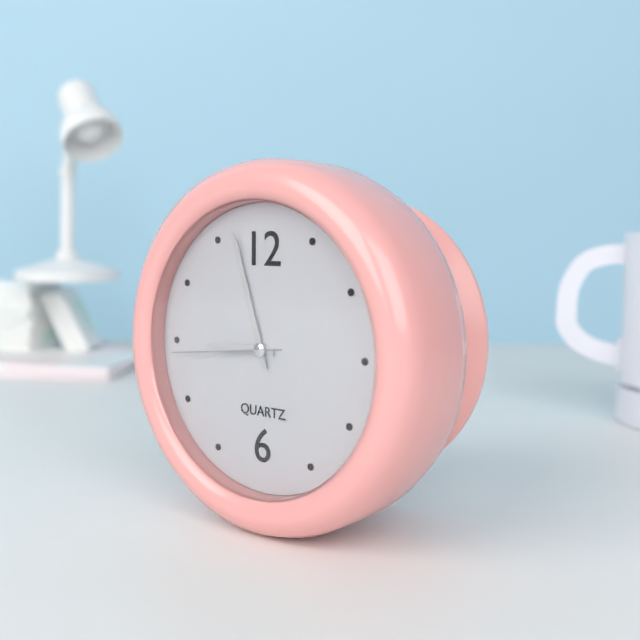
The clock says 8,57,44
